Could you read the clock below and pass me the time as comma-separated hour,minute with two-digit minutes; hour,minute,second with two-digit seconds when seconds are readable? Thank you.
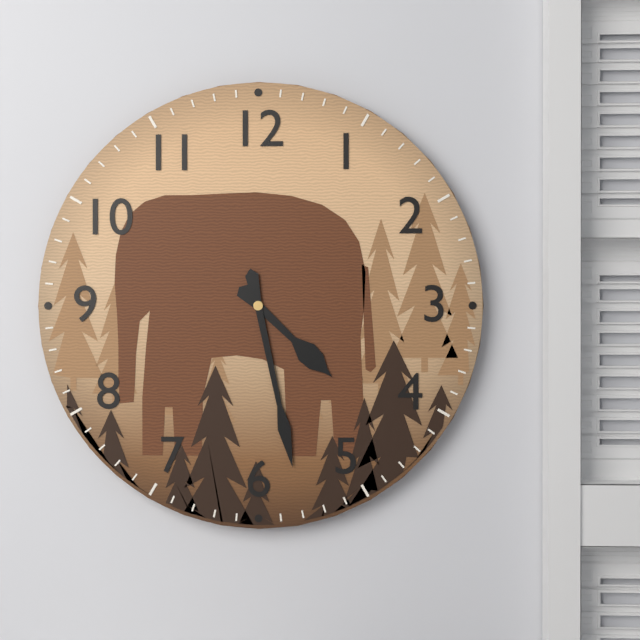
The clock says 4,28
